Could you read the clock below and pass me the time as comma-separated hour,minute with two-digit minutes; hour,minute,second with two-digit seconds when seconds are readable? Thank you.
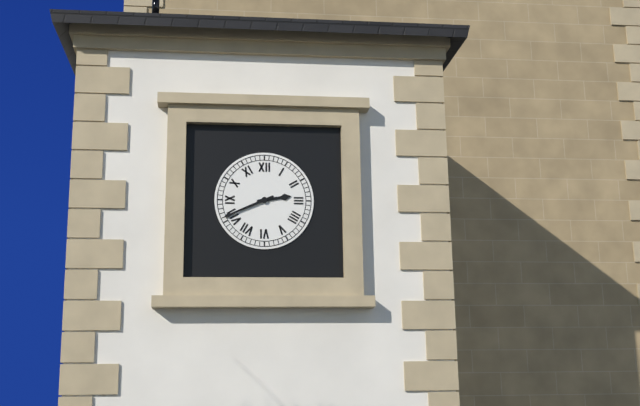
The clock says 2,41
